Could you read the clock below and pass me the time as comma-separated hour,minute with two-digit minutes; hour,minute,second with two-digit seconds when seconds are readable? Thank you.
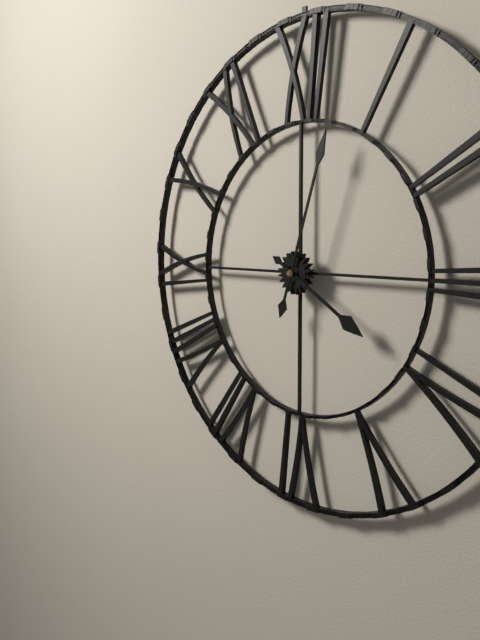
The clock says 4,03
